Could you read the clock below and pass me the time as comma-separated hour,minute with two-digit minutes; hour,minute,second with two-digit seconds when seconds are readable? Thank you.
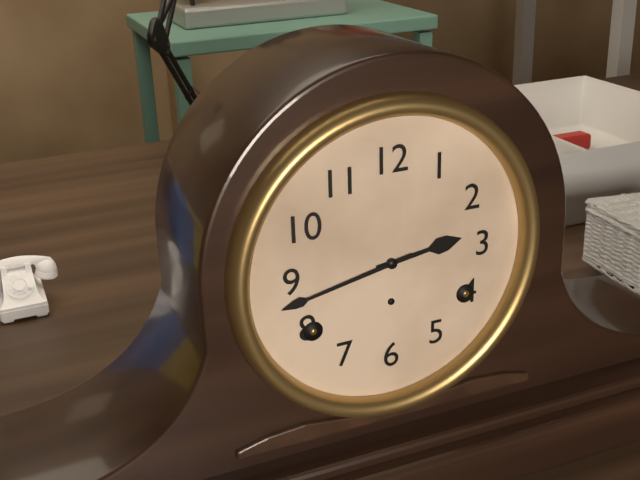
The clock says 2,43
